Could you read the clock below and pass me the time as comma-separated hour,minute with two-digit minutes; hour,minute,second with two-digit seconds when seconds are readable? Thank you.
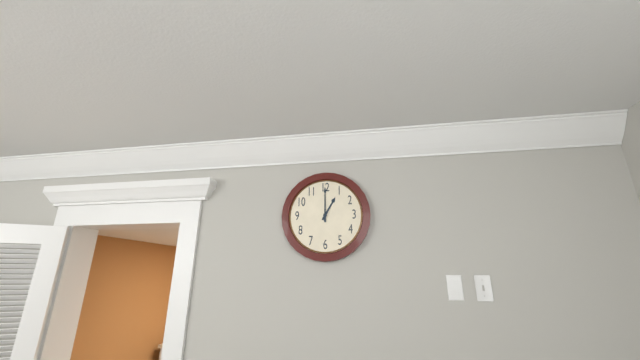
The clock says 1,00
